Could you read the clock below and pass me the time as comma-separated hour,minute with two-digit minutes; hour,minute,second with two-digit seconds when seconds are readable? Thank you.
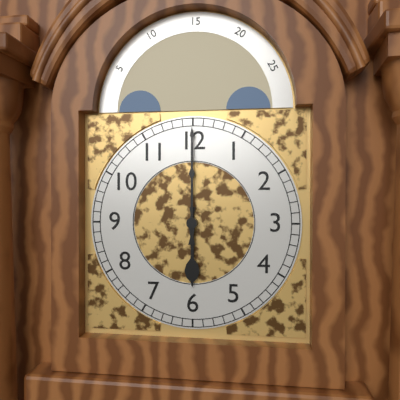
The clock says 6,00
